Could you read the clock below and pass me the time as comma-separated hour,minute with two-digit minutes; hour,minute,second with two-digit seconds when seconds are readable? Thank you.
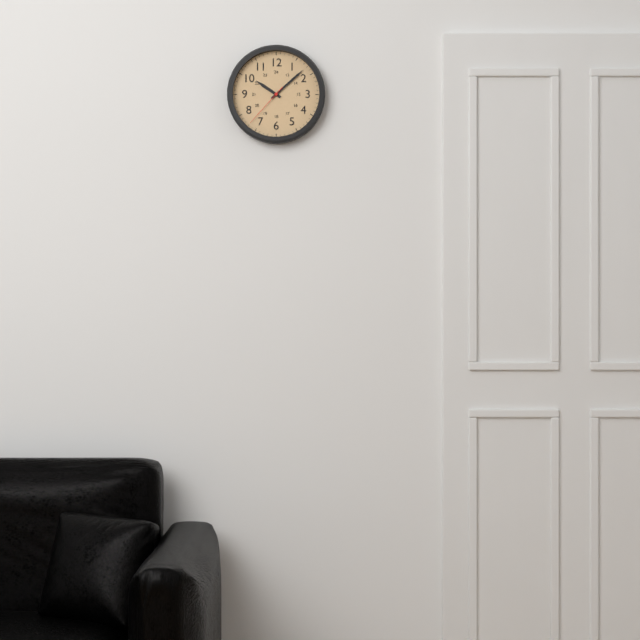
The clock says 10,08
